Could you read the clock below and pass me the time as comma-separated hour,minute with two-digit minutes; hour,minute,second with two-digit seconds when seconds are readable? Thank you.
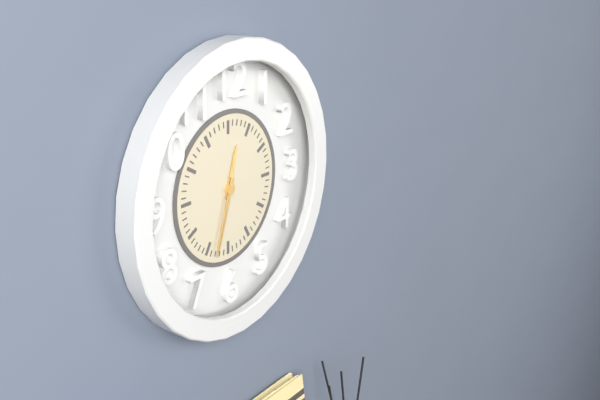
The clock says 12,33
